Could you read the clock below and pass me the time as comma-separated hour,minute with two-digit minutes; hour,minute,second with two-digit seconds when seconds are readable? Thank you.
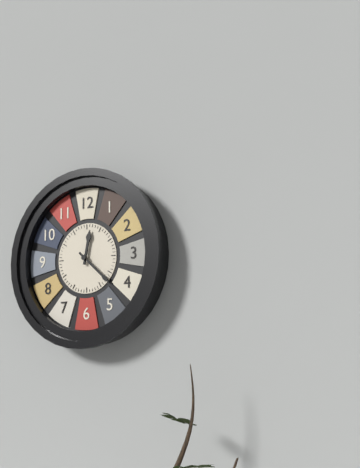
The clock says 12,22
